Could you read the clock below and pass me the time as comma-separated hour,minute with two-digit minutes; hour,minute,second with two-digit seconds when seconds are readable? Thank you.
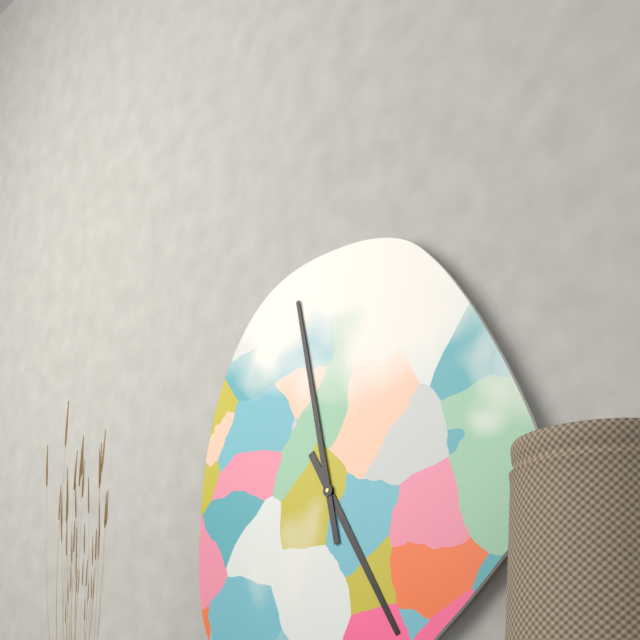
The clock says 4,58
